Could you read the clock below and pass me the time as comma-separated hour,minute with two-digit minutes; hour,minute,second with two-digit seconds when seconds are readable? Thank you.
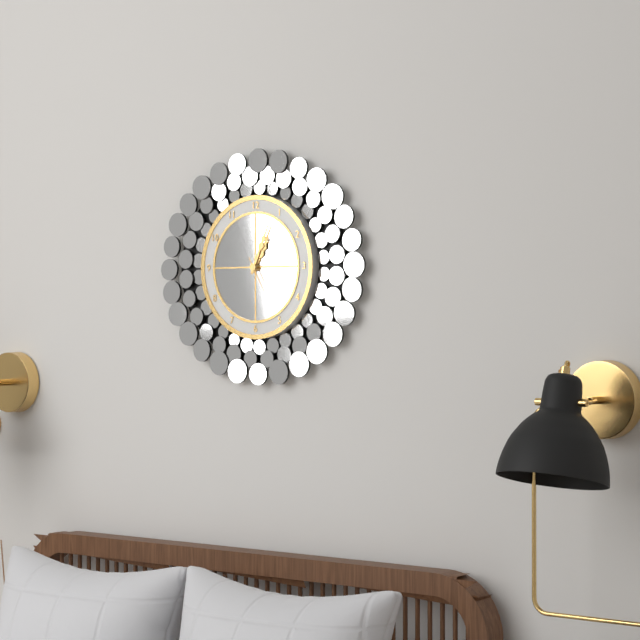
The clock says 1,04,25
